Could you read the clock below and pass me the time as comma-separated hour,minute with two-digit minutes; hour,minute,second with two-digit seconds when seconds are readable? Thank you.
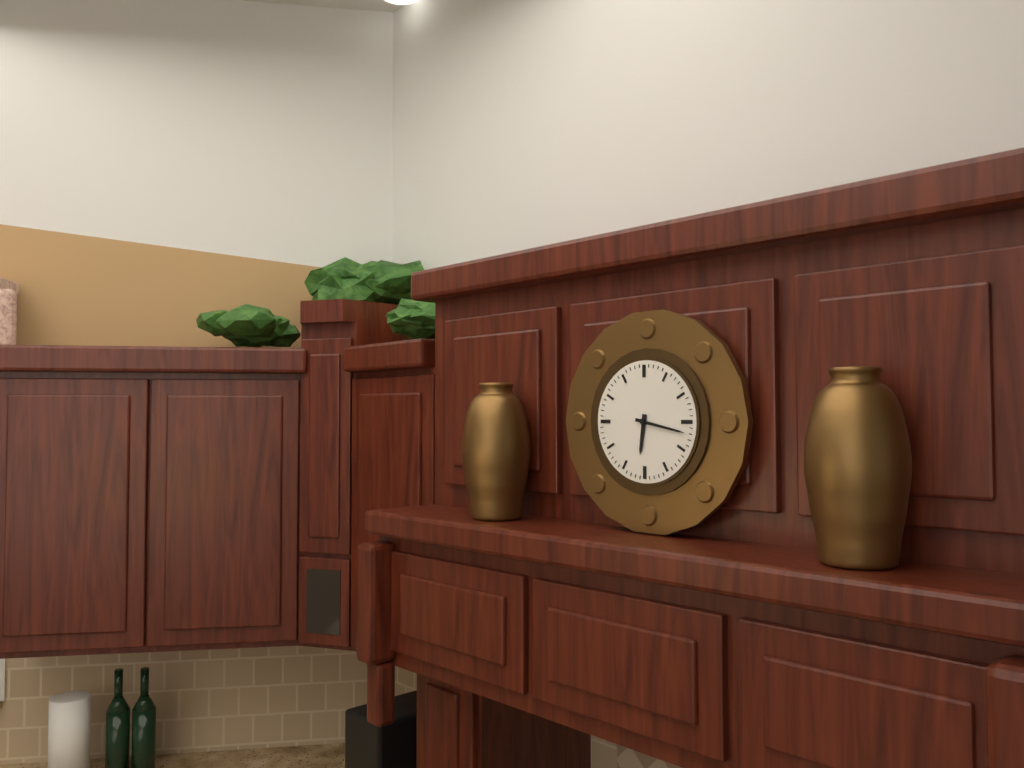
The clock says 6,17
